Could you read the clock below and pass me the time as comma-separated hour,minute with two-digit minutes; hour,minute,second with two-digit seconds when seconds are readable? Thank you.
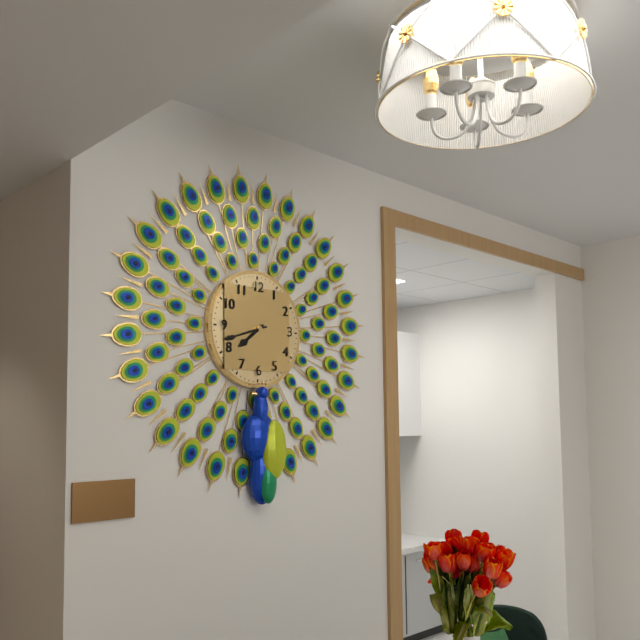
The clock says 7,42
